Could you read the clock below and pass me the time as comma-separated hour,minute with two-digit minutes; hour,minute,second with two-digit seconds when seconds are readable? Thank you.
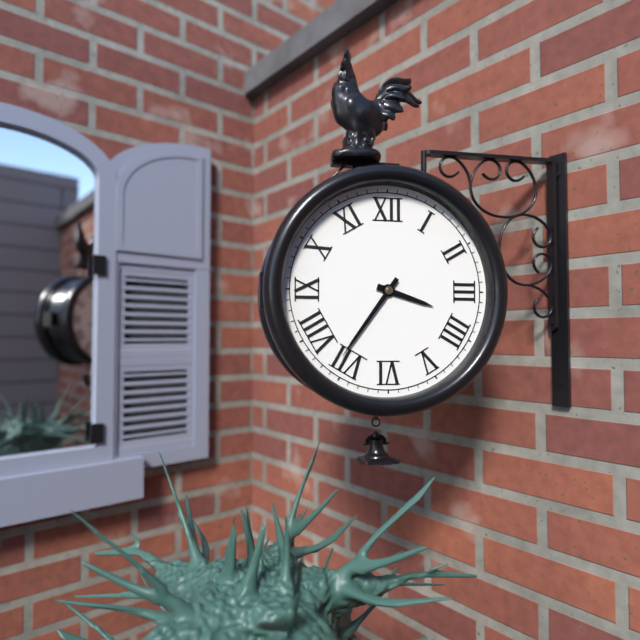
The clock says 3,36
